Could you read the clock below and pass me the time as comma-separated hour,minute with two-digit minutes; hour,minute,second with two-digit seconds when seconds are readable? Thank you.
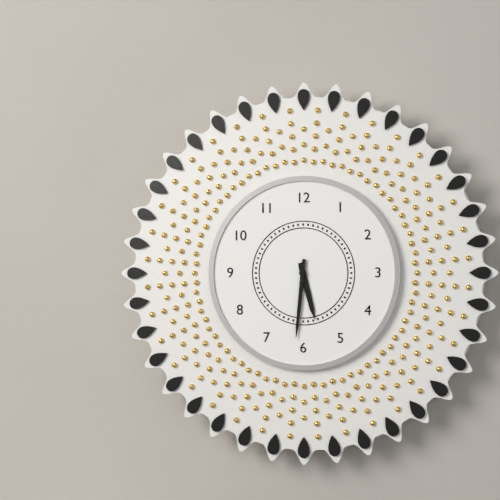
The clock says 5,31
